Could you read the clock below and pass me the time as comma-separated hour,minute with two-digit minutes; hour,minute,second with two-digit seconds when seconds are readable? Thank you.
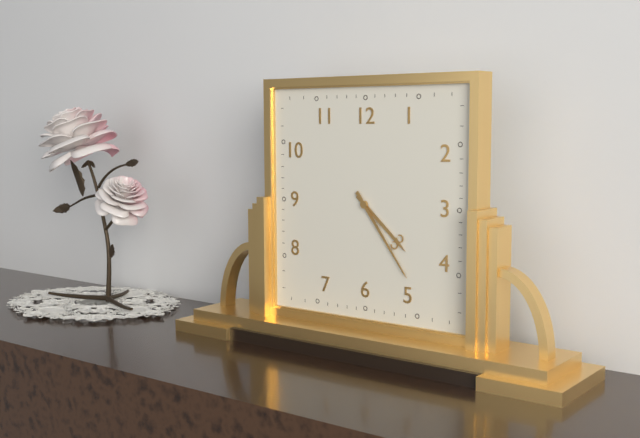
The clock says 4,24
